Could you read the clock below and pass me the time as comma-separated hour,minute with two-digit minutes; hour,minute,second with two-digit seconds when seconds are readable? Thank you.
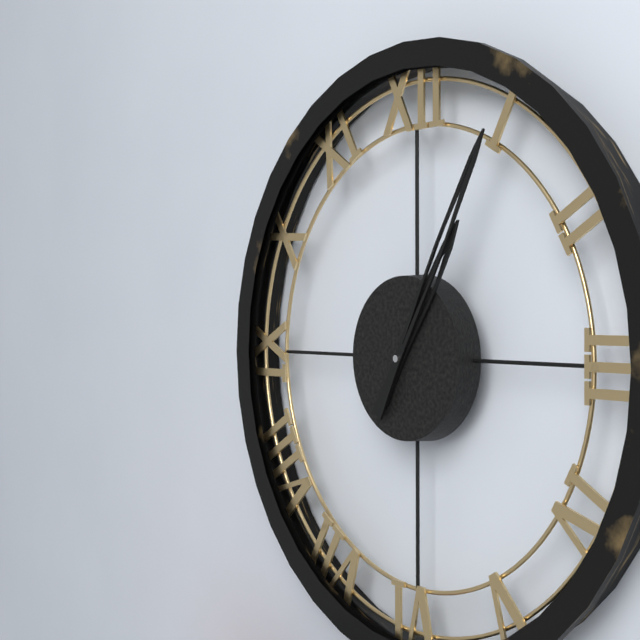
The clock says 1,05
